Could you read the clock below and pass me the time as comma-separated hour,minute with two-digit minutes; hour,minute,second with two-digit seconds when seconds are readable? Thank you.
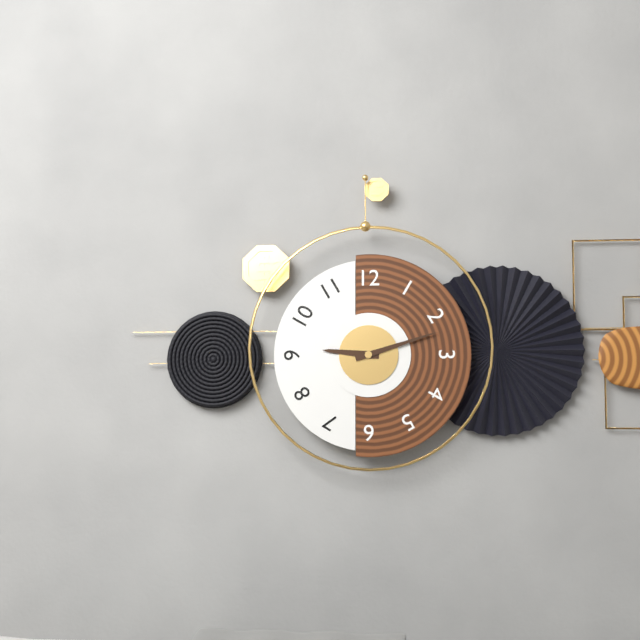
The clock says 9,12
